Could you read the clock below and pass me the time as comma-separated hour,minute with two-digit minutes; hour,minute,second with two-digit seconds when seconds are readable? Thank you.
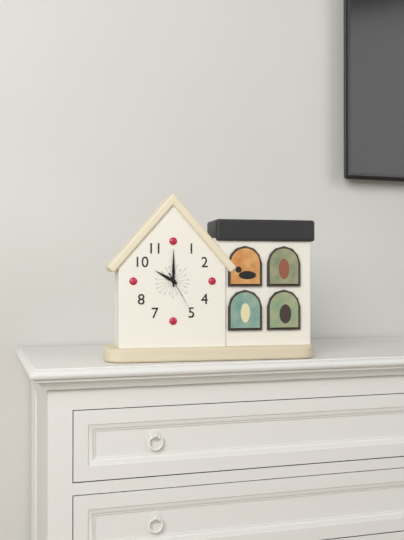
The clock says 10,00
